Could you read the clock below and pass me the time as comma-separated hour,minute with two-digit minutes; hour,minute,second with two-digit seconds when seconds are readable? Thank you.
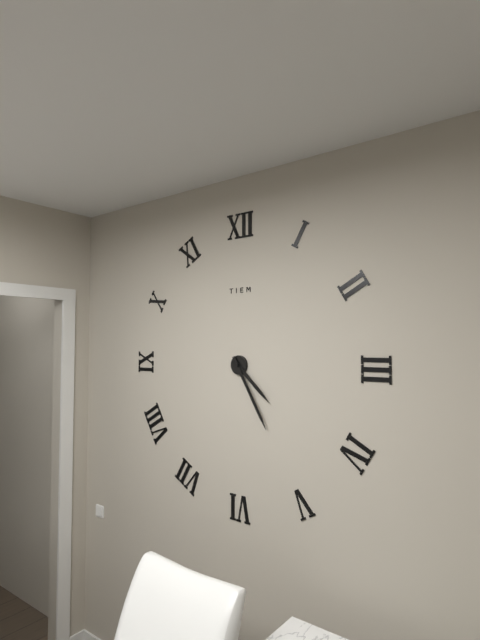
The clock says 4,25
